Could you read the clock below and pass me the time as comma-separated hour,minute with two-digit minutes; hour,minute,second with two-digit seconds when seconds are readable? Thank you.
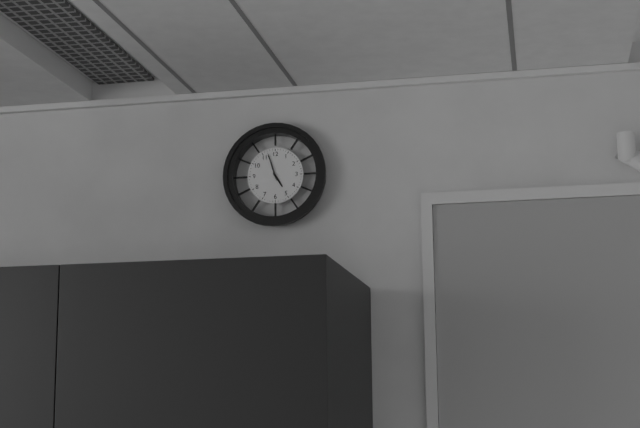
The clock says 4,57
